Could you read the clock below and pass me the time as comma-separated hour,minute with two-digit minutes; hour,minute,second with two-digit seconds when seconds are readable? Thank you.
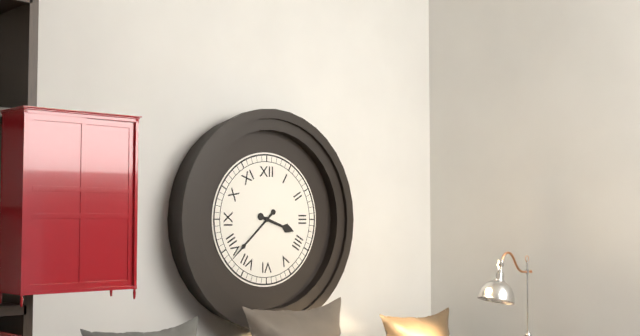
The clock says 3,38
